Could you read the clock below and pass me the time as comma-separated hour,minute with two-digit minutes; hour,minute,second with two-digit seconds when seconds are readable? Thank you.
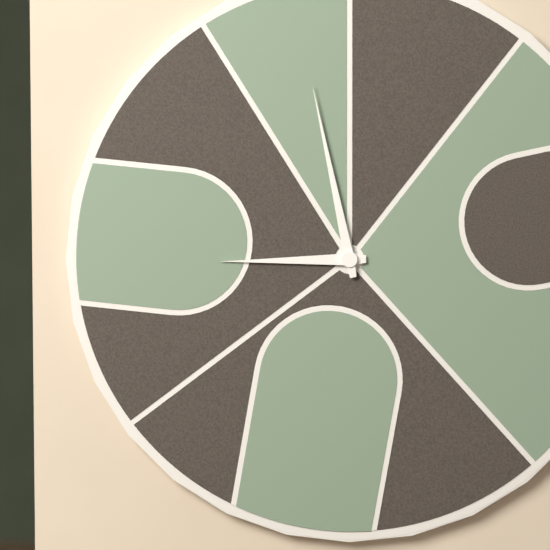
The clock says 8,58
